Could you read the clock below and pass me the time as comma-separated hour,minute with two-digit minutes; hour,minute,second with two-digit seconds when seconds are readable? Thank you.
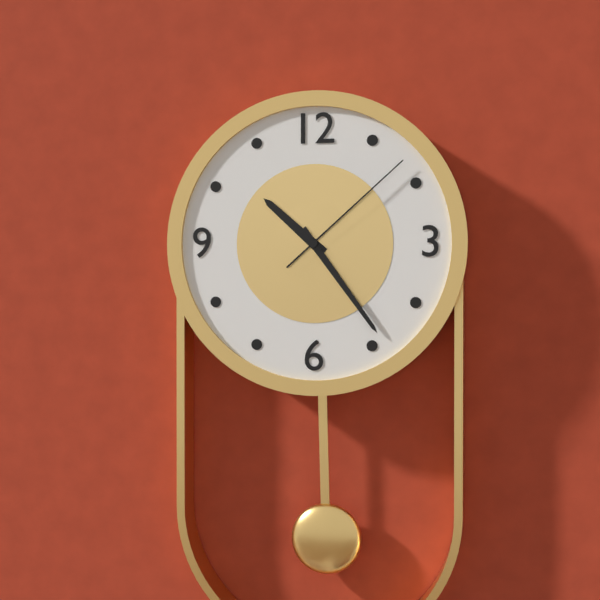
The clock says 10,24,08
